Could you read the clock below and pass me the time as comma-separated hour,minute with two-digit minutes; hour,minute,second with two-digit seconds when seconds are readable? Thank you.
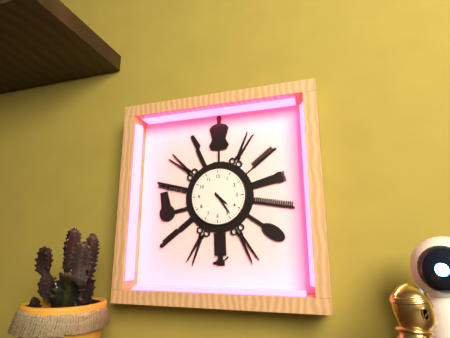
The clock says 4,24
